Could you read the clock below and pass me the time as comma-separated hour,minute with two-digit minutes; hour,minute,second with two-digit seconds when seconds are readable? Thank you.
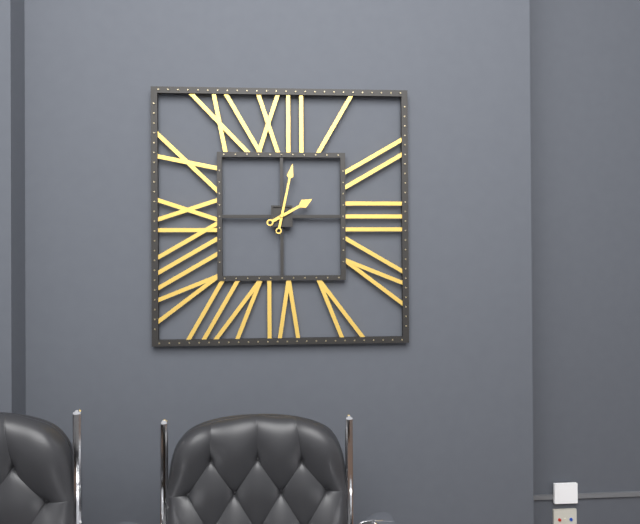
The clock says 2,02
